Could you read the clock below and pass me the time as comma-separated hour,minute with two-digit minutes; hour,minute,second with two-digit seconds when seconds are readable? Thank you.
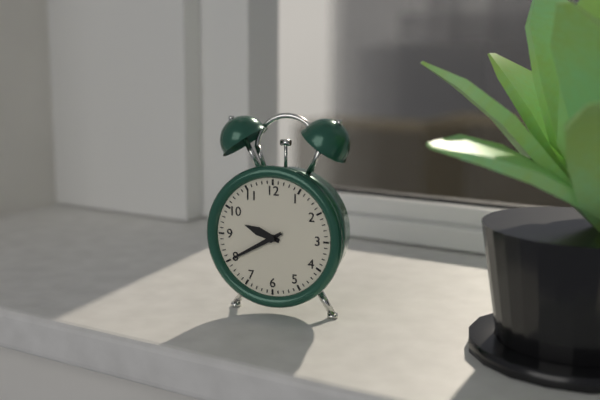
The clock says 9,40
